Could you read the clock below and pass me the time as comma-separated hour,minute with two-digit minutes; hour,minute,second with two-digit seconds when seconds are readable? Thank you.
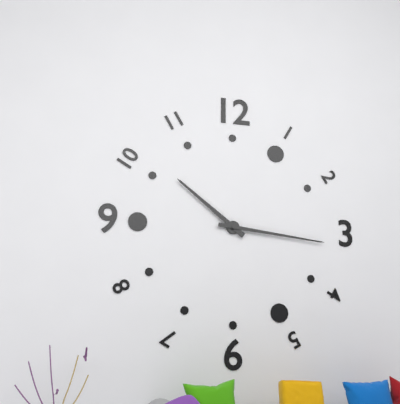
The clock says 10,16
